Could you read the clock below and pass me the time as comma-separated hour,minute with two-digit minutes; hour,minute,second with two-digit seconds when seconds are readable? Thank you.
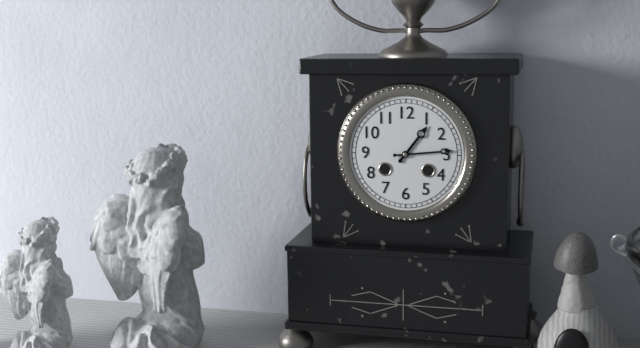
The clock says 1,14
